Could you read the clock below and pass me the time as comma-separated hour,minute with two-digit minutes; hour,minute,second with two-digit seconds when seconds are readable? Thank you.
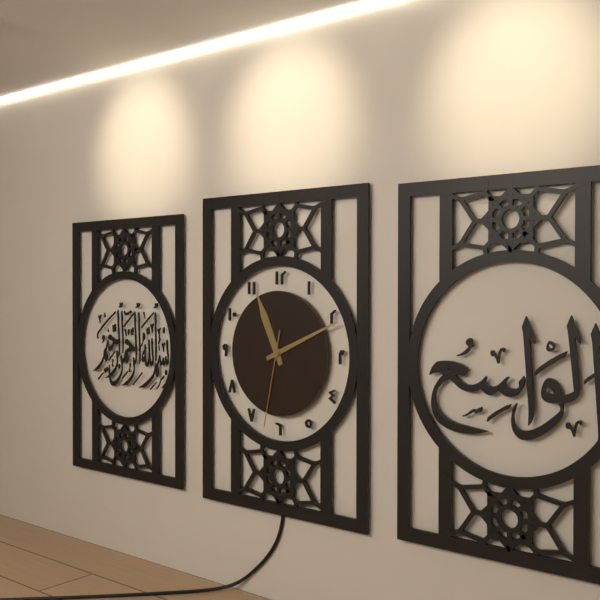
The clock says 11,11,32
